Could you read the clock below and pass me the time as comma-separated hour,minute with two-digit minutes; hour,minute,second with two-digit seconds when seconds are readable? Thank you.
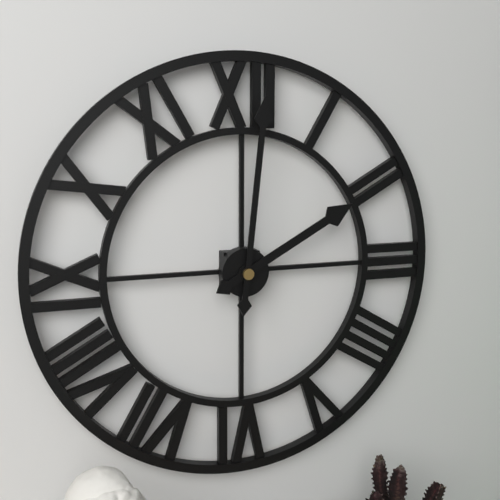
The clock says 2,01
